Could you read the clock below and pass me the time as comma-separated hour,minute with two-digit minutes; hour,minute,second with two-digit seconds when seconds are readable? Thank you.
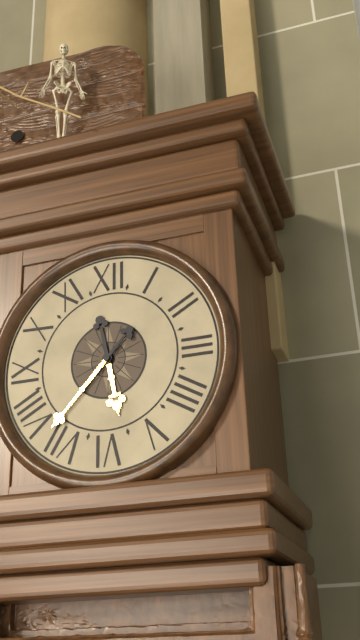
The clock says 5,37
